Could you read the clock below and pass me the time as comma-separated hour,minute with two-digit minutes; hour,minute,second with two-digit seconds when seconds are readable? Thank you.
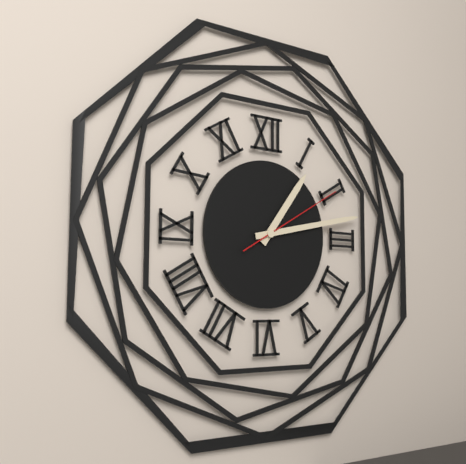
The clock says 1,13,10
